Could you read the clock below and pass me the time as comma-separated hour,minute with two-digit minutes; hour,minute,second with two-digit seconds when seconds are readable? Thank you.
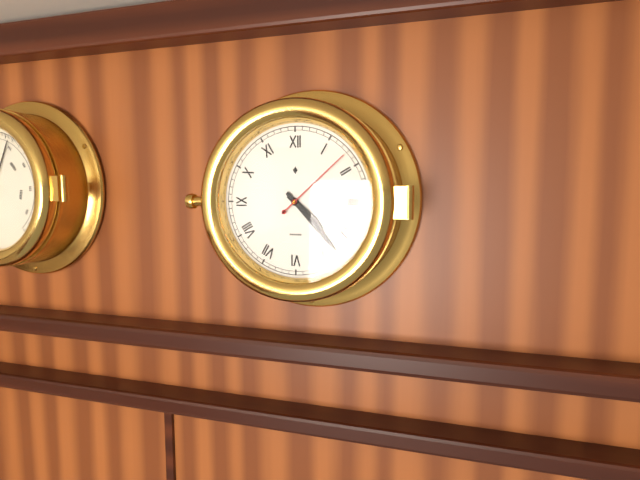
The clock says 4,23,08
